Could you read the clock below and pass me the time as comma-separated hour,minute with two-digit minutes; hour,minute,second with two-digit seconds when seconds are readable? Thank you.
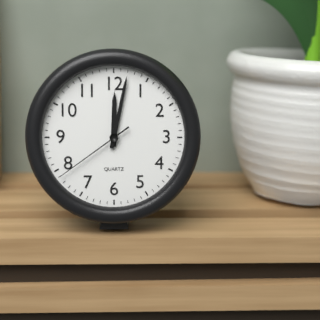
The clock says 12,02,39
